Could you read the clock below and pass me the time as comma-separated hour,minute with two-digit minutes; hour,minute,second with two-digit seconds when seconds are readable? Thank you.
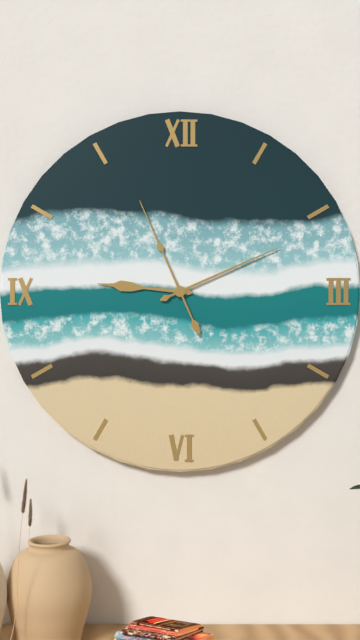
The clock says 9,11,56
